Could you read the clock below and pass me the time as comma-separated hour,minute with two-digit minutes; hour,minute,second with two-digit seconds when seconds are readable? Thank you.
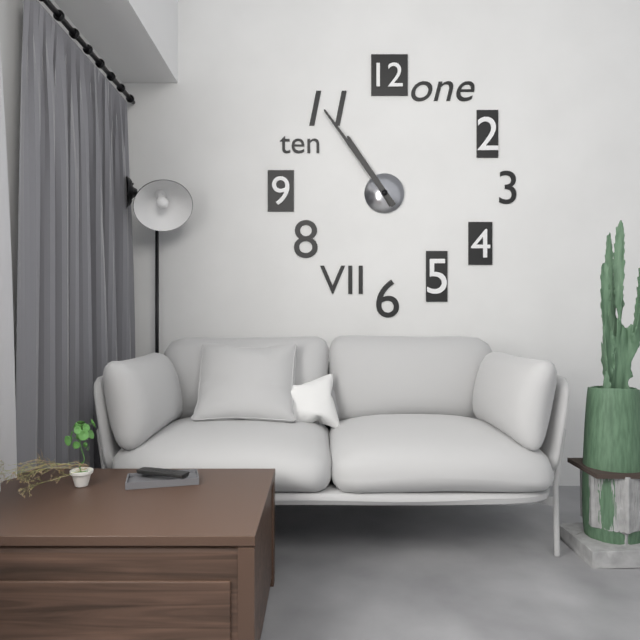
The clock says 10,54
